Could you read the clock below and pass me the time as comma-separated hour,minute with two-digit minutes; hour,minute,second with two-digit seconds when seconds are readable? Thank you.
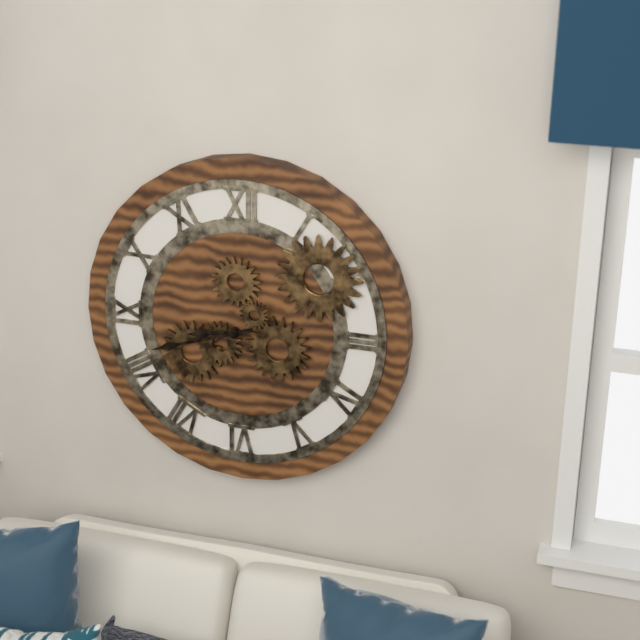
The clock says 8,42
